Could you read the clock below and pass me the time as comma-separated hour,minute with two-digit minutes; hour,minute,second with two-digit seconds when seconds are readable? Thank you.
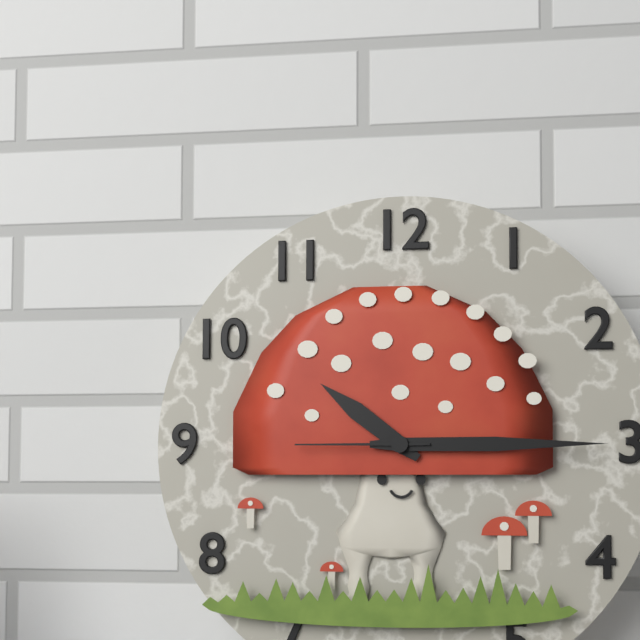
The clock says 10,15,45
